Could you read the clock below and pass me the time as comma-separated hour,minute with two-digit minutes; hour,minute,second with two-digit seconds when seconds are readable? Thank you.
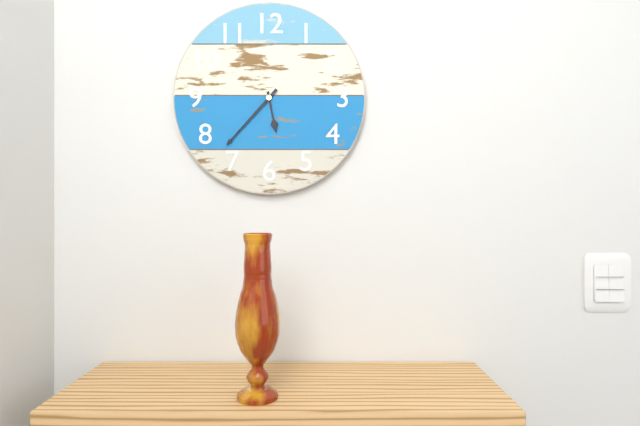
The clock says 5,37
